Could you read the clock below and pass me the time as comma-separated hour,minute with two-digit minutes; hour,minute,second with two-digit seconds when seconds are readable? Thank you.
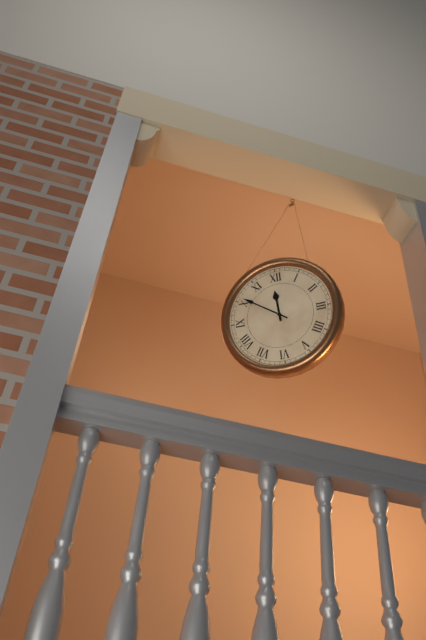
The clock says 11,51
